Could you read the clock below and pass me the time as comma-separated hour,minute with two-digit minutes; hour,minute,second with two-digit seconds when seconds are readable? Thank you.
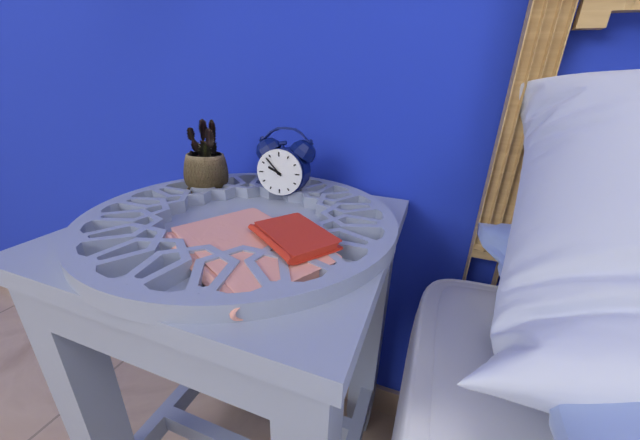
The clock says 9,53
